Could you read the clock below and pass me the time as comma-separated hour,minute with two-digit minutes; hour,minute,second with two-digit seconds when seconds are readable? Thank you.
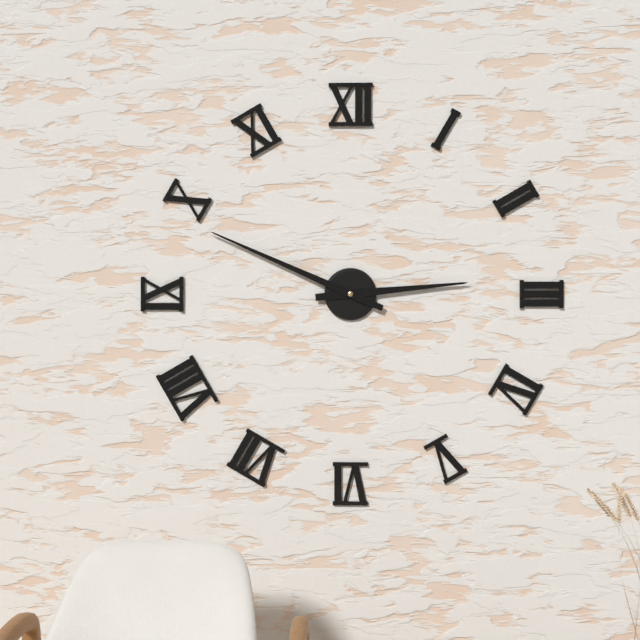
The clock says 2,49
